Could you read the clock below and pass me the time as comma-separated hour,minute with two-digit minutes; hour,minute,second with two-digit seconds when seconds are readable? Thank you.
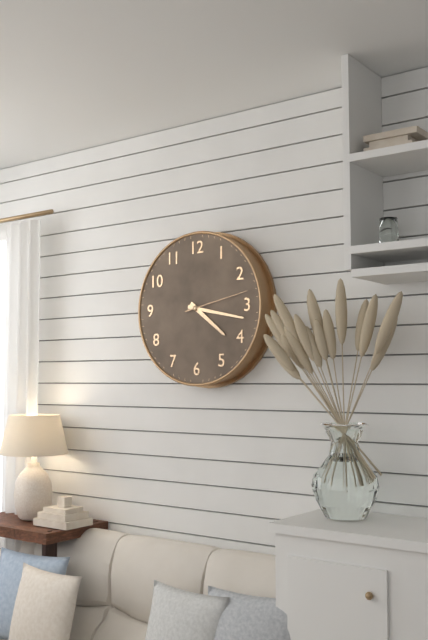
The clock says 4,17,13
